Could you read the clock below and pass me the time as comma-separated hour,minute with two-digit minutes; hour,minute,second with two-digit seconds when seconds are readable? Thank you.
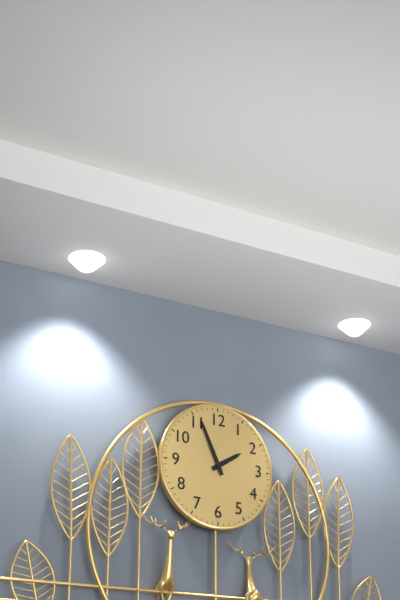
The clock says 1,56
